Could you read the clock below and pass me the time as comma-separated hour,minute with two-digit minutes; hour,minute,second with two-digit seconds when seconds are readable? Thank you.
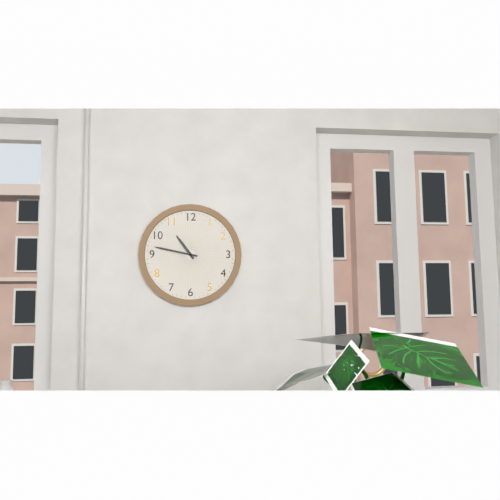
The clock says 10,47
